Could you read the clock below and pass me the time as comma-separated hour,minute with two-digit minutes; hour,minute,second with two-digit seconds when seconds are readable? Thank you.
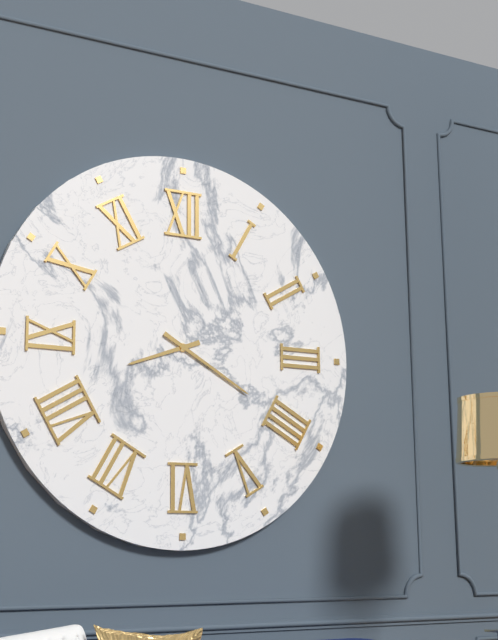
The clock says 8,20
